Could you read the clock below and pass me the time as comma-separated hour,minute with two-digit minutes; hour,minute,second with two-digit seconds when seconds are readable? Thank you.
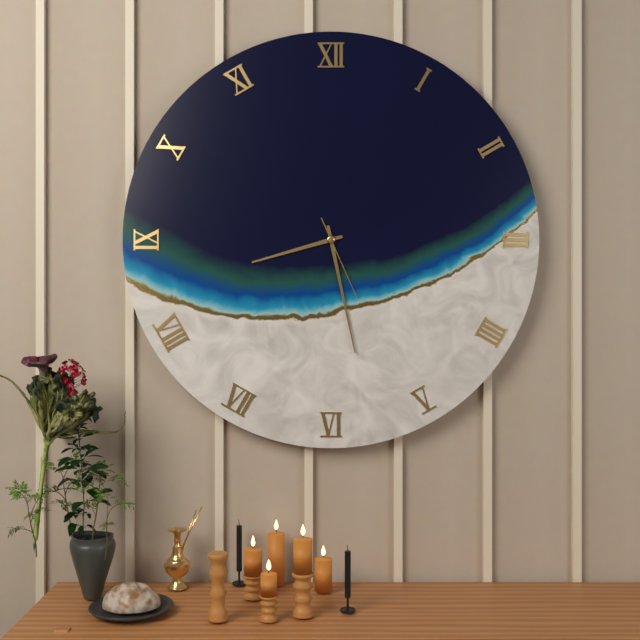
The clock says 8,28,26
